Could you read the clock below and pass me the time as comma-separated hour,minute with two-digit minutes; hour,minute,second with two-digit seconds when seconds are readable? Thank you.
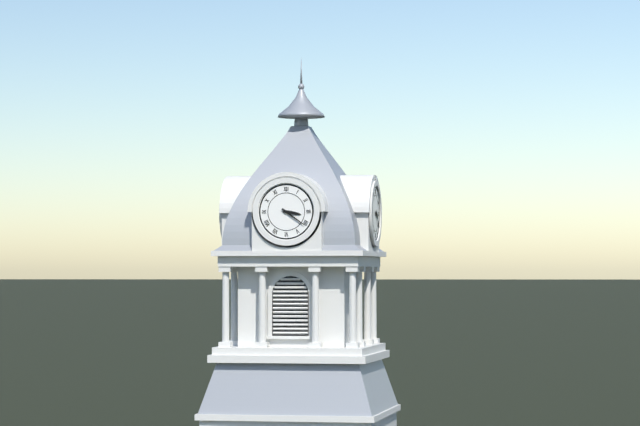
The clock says 3,21
